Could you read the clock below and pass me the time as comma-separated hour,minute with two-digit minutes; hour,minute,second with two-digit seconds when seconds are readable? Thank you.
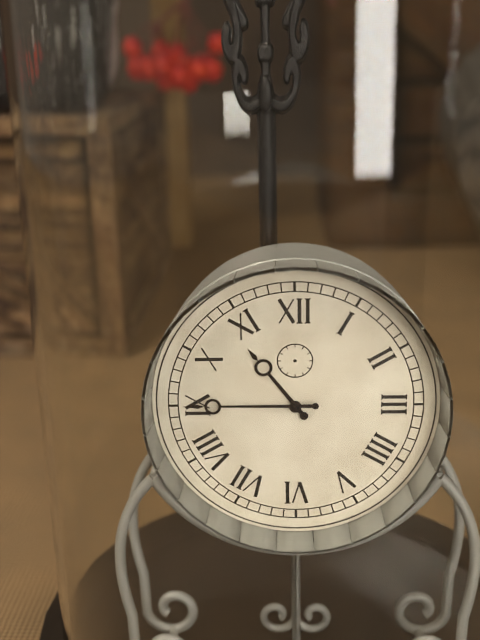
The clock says 10,45
